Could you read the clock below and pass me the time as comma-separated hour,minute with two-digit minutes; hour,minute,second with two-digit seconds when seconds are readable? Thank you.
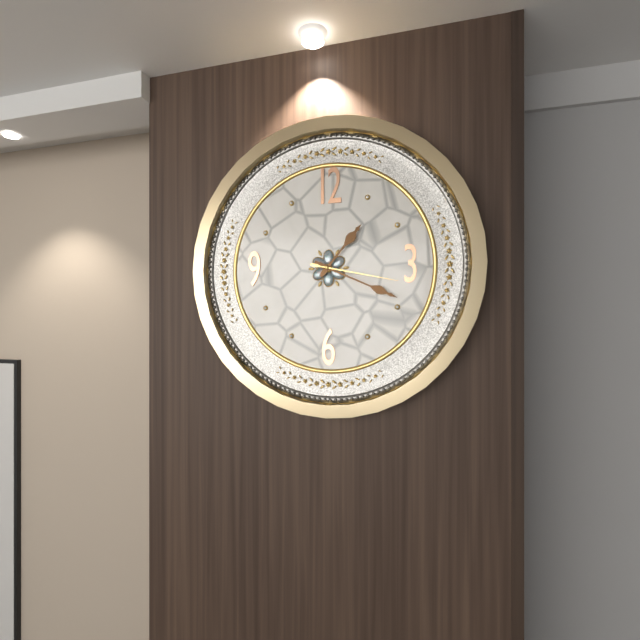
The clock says 1,19,17
